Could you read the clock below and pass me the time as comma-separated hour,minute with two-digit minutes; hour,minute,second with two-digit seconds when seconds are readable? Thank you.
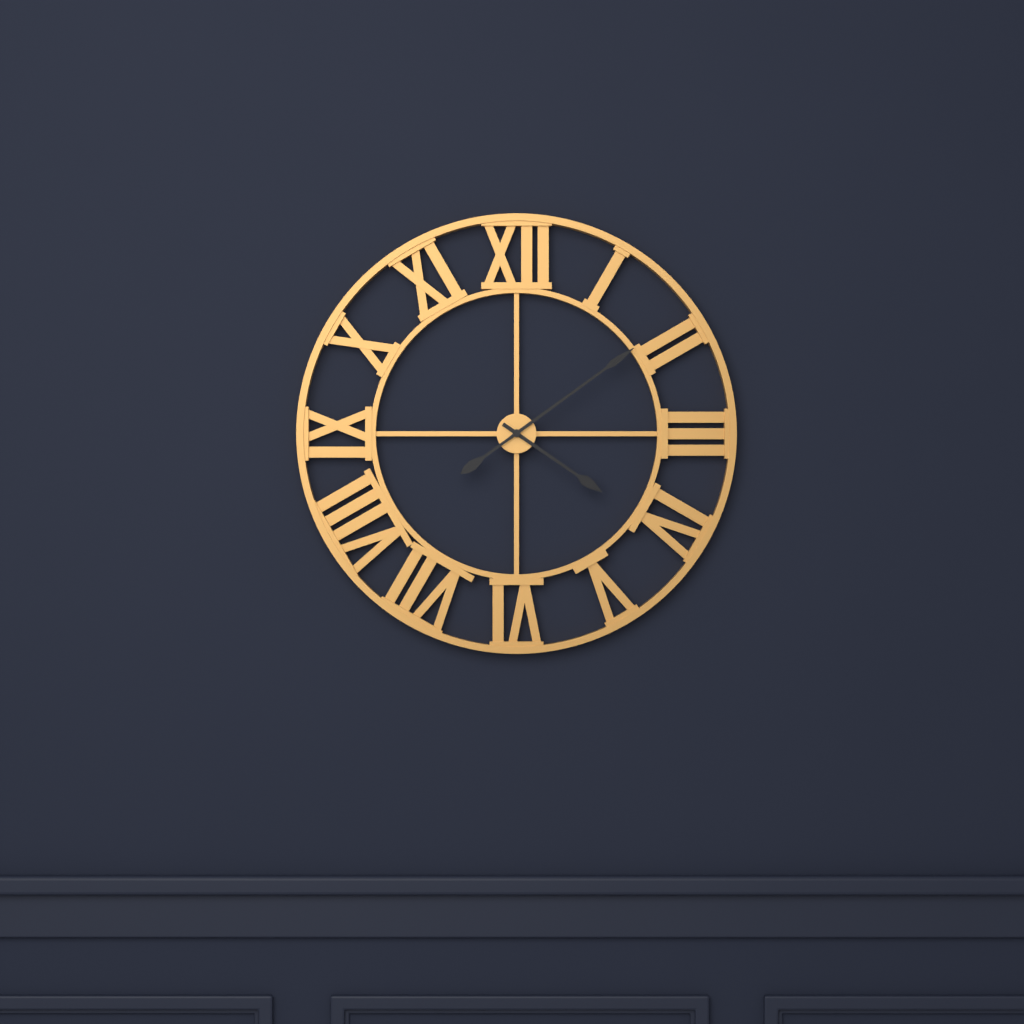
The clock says 4,09
